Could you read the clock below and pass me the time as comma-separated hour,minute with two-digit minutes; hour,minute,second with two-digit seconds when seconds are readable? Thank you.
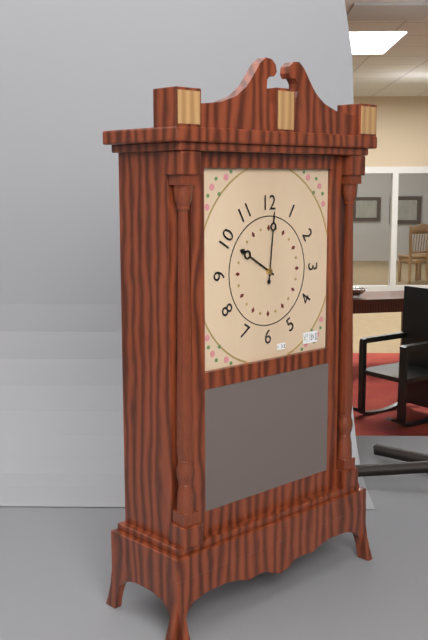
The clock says 10,01
